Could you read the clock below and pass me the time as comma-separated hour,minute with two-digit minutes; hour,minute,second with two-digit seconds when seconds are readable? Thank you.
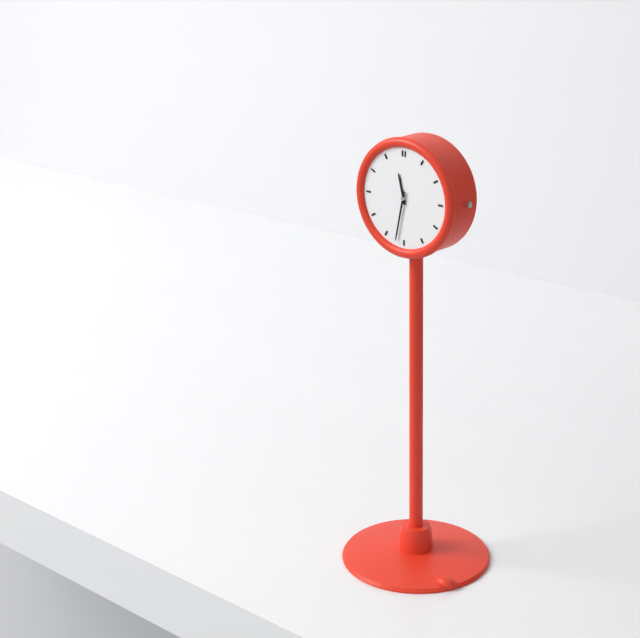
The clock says 11,32
